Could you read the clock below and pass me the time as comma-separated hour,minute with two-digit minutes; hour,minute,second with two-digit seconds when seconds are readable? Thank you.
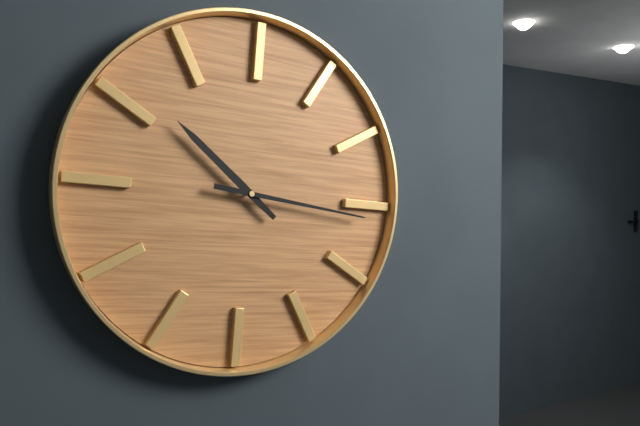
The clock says 10,16
